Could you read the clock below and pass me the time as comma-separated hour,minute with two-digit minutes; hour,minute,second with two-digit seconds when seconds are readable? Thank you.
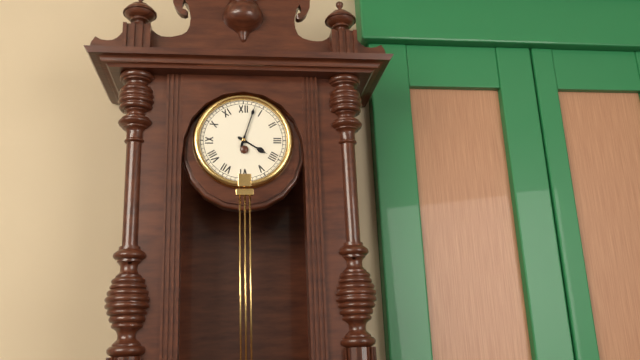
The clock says 4,03
